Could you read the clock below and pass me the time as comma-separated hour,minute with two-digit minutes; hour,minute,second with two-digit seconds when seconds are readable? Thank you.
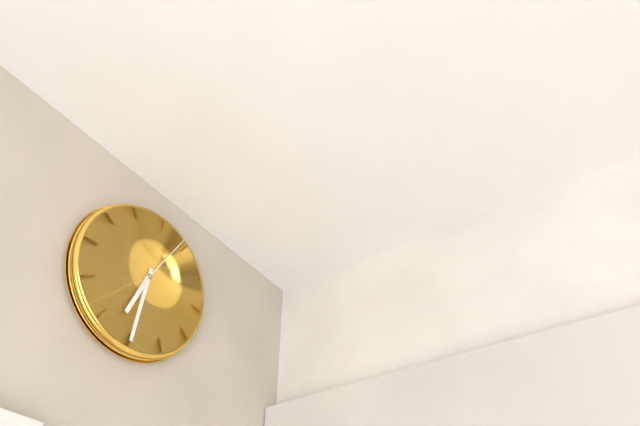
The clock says 6,30,04
